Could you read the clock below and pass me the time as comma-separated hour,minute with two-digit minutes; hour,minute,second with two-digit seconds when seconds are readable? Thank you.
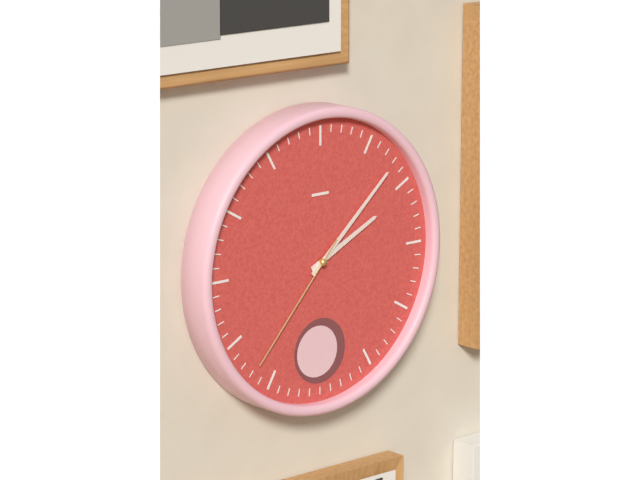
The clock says 2,08,37
